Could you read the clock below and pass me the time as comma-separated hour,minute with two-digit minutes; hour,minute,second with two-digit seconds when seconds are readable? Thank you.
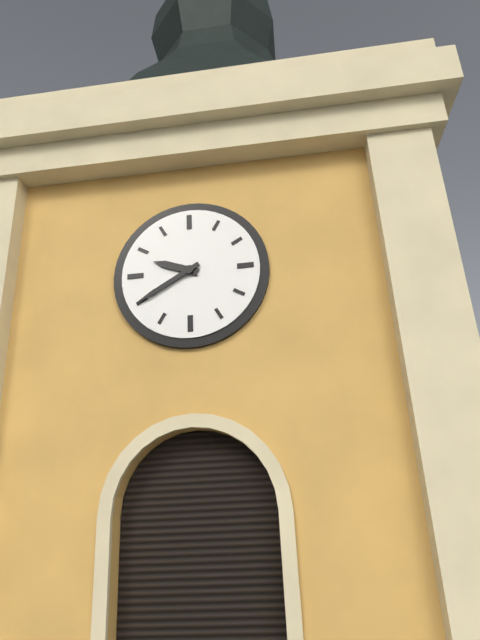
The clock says 9,40
